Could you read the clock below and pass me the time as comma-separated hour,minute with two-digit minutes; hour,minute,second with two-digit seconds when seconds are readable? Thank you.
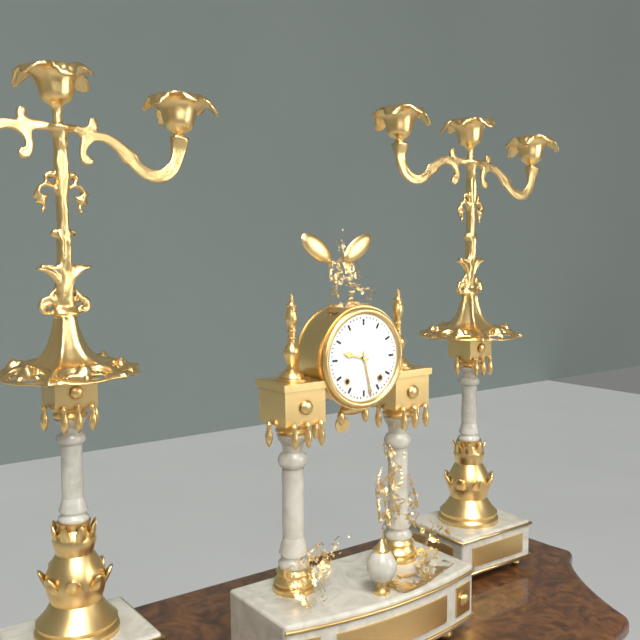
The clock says 9,28
